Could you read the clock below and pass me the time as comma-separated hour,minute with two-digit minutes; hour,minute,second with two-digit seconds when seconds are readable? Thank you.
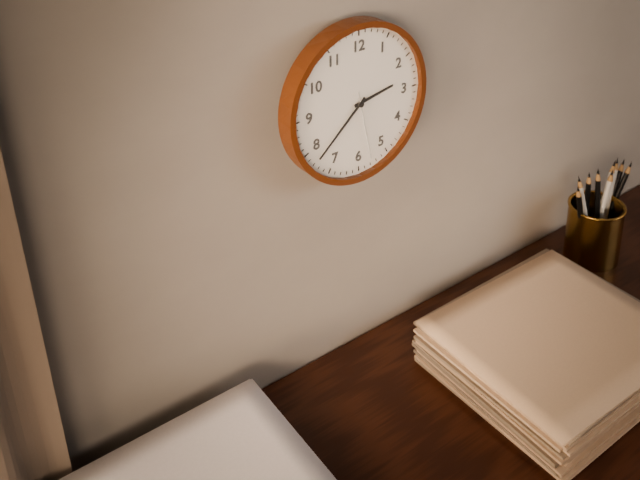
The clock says 2,38,28
